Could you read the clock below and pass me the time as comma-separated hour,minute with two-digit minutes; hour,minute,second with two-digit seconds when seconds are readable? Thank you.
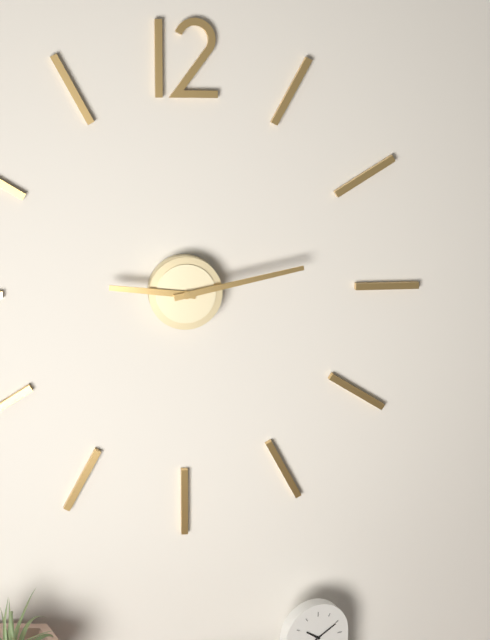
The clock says 9,13
